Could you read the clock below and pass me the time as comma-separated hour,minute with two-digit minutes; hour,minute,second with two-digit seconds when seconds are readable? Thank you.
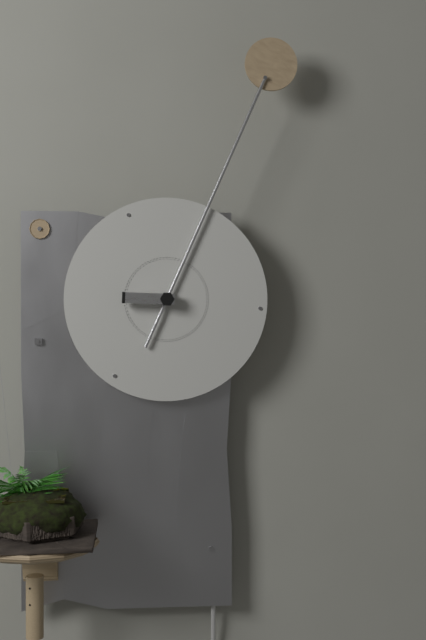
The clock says 9,04
